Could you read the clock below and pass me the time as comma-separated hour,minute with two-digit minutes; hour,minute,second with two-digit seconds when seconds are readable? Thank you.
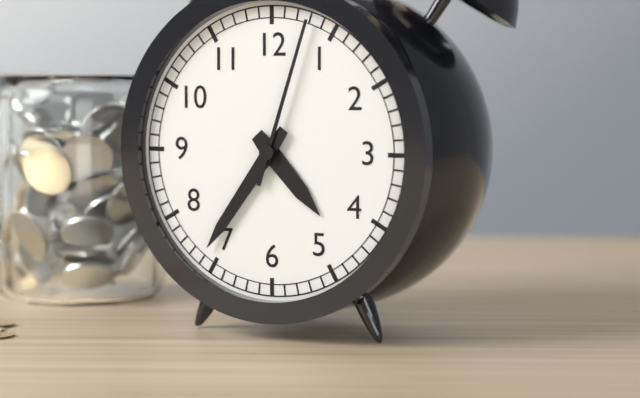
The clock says 4,36,03
